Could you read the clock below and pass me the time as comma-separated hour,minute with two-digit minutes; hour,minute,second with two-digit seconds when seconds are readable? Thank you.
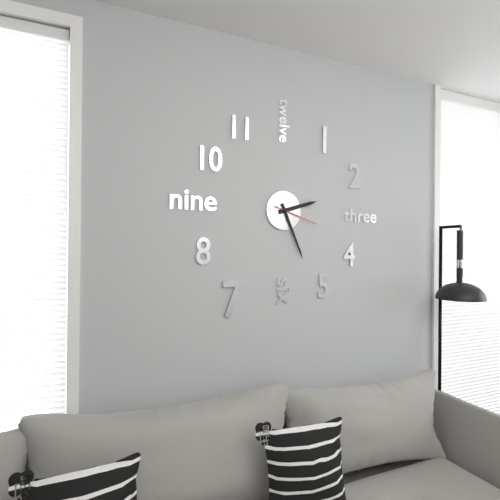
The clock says 2,26
